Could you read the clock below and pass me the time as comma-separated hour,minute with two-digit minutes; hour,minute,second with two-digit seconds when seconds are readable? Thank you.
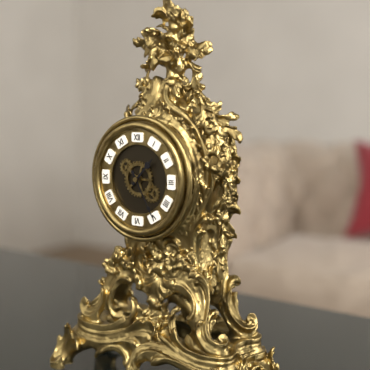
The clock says 1,25
